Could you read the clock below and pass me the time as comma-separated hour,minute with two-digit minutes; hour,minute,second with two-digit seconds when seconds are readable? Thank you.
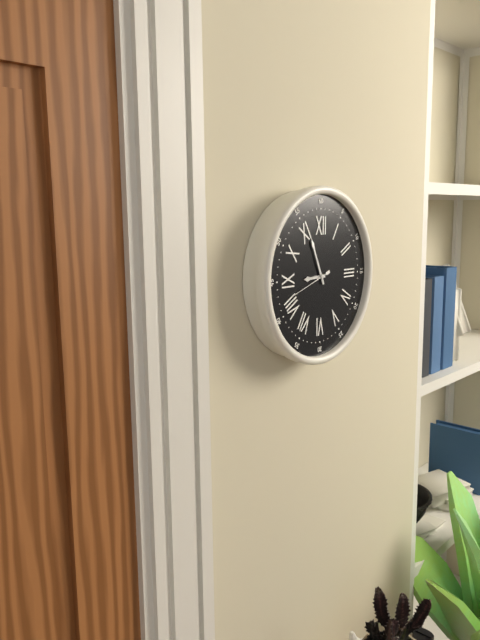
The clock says 8,56
